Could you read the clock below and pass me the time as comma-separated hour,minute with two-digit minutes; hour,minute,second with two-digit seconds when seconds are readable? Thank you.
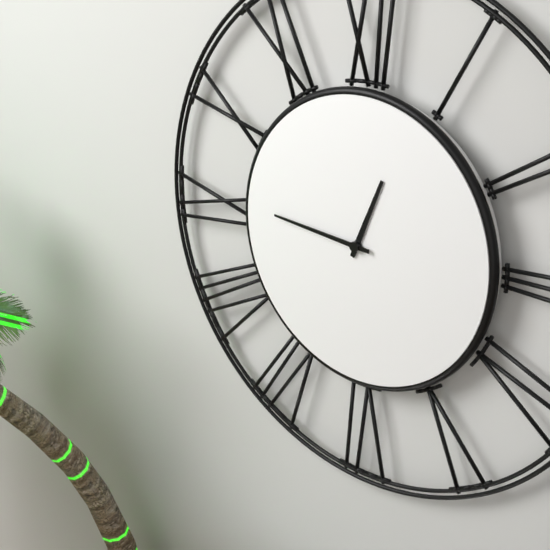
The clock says 12,46
